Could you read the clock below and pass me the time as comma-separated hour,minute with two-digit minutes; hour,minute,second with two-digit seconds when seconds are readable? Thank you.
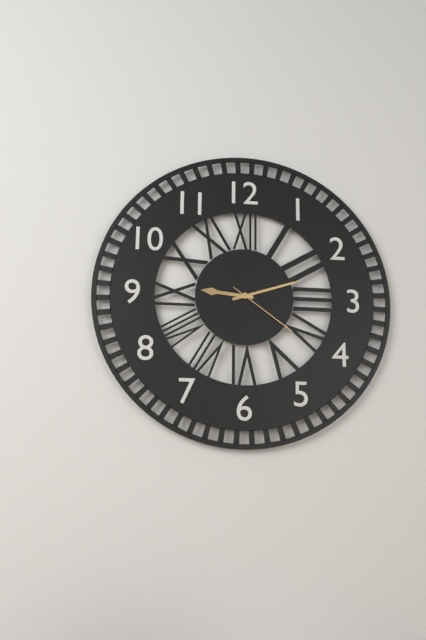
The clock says 9,12,21
